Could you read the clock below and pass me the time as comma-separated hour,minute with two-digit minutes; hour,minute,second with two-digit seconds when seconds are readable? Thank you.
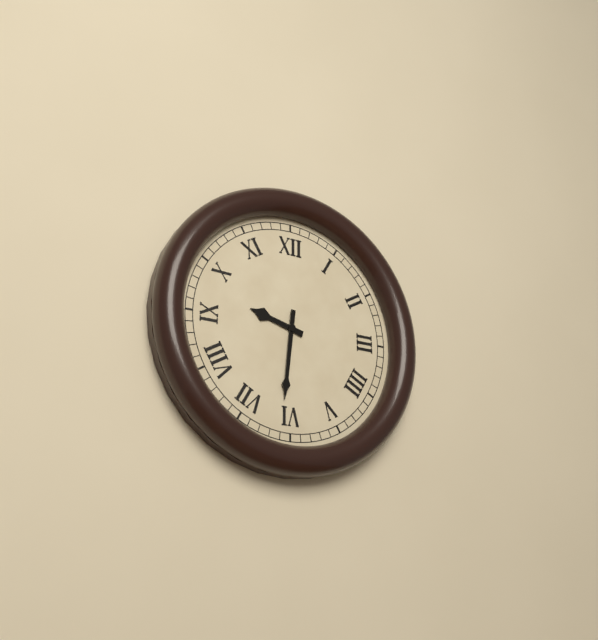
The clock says 9,31
